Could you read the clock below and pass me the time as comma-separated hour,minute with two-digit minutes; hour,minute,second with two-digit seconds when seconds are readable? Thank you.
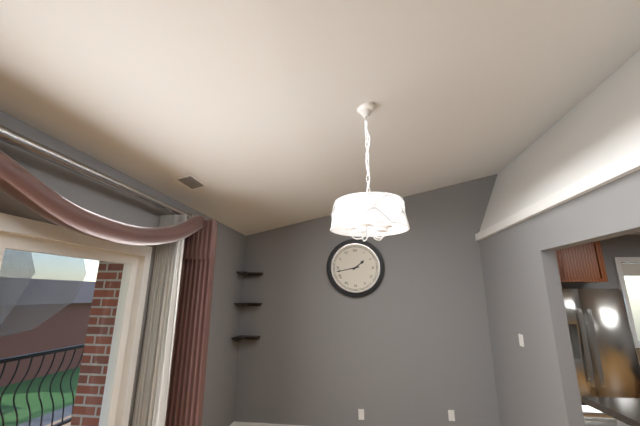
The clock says 1,43
